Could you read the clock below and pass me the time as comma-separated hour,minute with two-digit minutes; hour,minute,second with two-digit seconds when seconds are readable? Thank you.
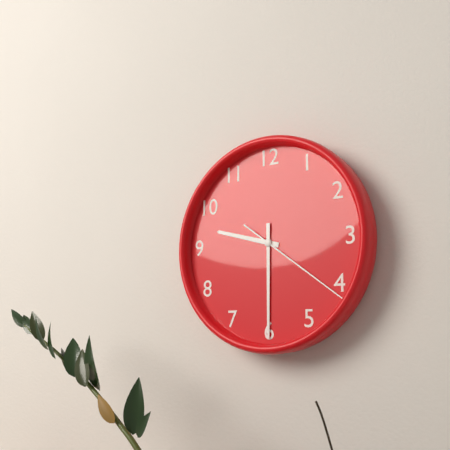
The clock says 9,30,21
